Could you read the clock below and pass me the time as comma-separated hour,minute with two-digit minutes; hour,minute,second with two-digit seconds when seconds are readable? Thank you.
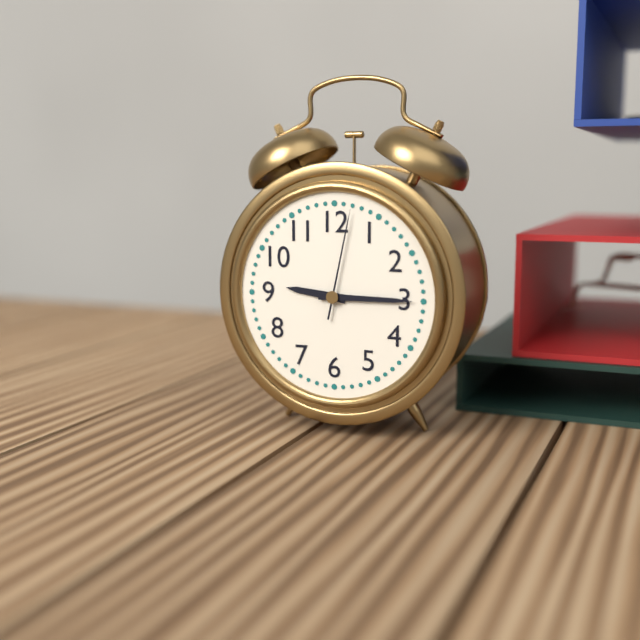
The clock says 9,15,02
